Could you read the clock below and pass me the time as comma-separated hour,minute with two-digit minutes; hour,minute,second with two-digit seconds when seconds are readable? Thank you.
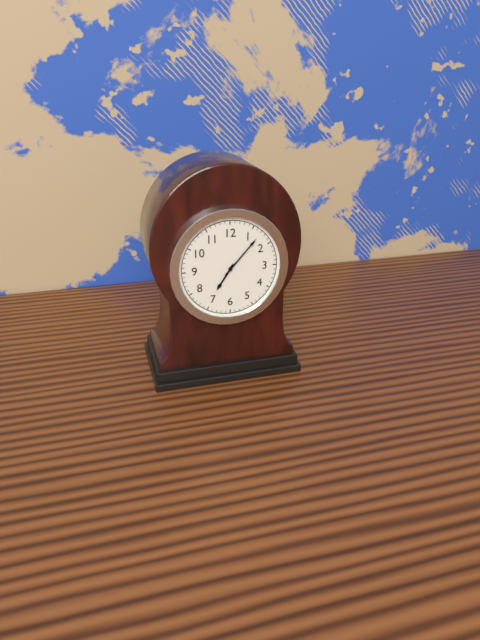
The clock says 7,07
